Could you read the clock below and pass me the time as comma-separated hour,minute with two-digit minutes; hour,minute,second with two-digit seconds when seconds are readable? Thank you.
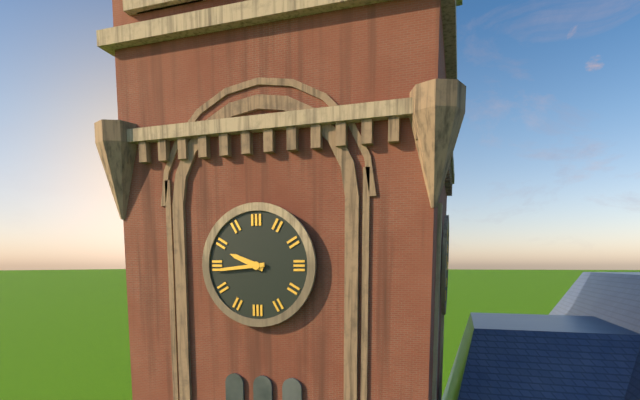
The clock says 9,44
